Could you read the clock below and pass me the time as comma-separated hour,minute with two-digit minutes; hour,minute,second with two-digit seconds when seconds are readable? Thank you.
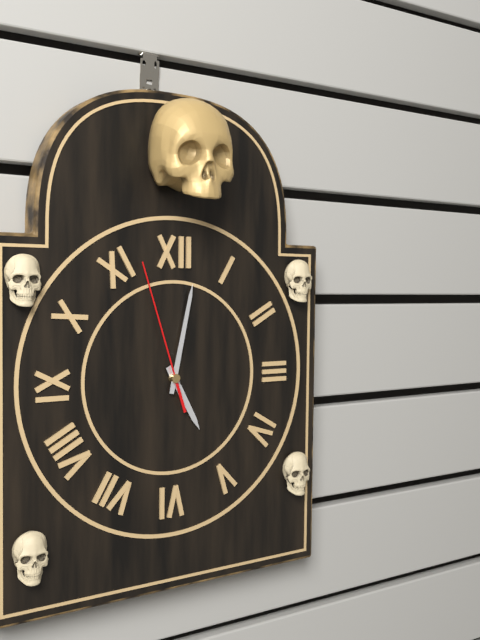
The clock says 5,02,57
